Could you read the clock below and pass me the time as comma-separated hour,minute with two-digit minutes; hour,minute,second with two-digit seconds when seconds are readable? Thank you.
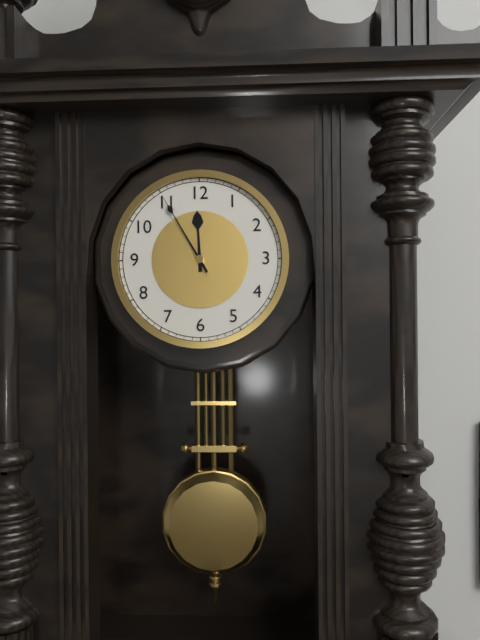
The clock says 11,55
